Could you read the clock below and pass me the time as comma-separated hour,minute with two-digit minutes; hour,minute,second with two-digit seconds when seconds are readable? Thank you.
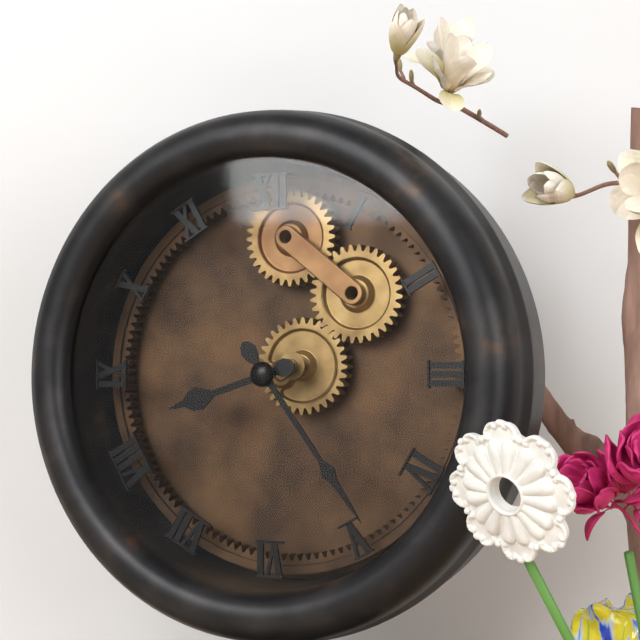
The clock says 8,24
